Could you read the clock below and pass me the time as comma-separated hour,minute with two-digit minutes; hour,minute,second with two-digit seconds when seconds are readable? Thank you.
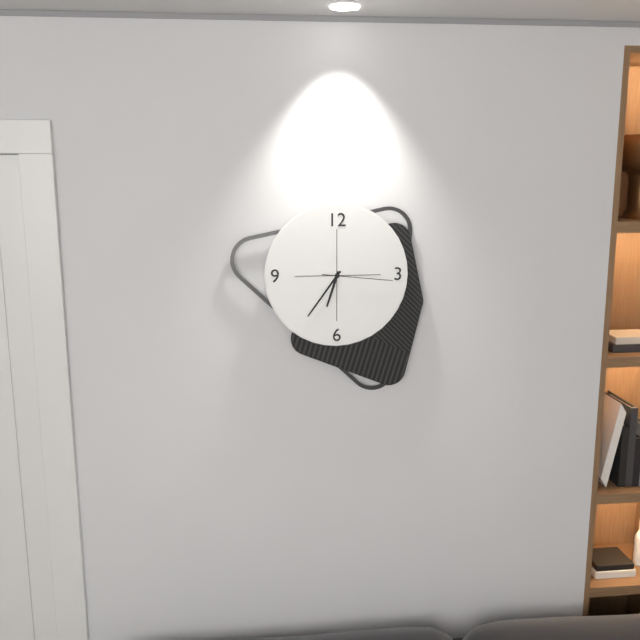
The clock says 6,36,16
